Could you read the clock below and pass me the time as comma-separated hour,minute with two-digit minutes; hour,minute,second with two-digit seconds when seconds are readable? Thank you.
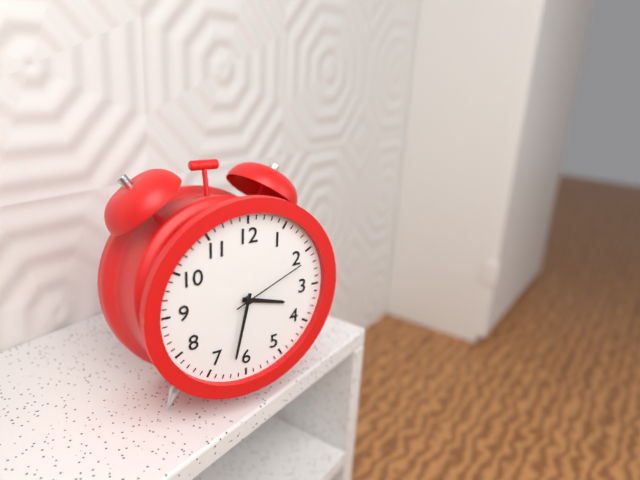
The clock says 3,32,11
